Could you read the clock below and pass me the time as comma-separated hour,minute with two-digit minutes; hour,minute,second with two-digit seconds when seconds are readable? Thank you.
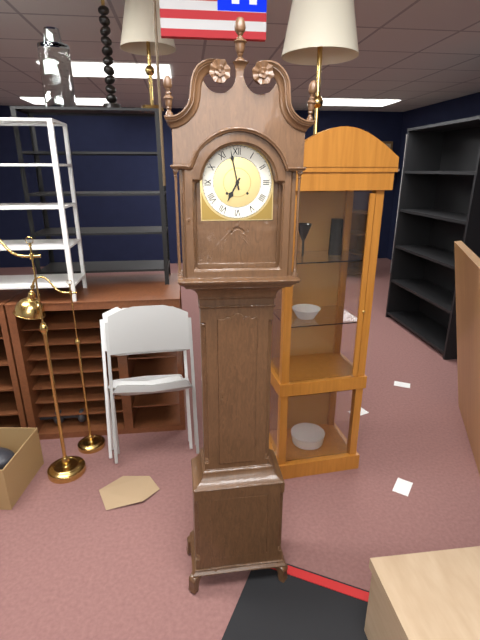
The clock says 6,58
